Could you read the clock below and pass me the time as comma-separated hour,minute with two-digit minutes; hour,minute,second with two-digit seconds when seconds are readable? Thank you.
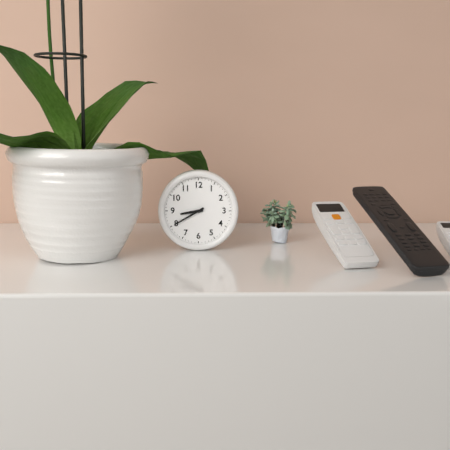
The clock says 8,40
